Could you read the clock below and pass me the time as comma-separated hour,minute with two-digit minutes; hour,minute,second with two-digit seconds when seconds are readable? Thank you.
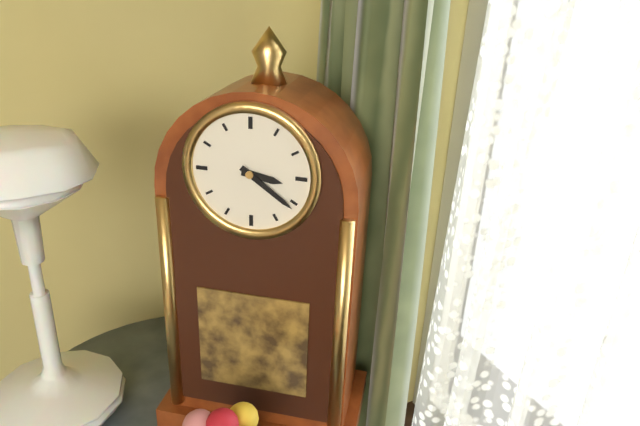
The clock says 3,21
